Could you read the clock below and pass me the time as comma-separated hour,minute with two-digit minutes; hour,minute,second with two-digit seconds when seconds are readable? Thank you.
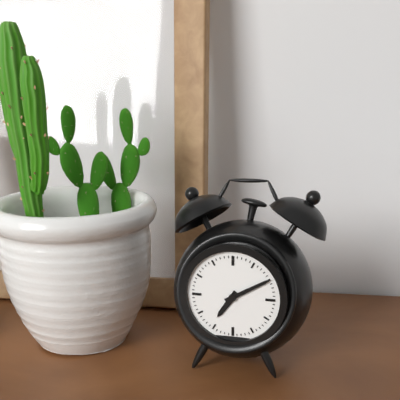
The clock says 7,10
